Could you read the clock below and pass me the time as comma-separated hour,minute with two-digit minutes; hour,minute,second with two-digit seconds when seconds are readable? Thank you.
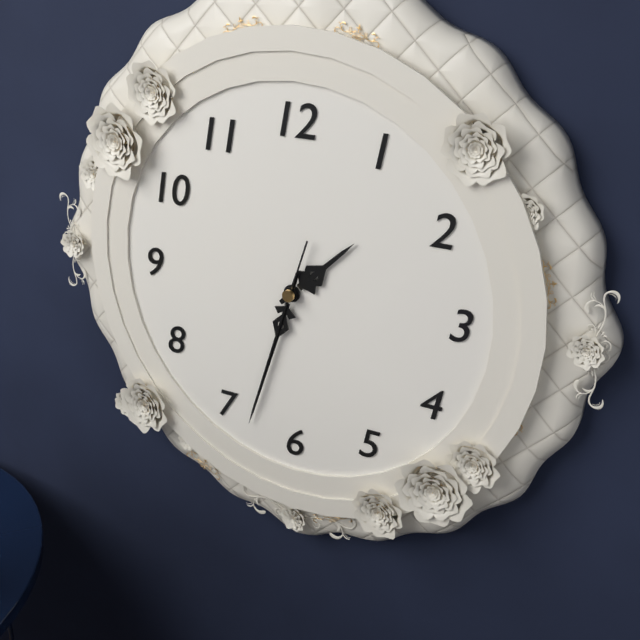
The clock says 1,33,33
